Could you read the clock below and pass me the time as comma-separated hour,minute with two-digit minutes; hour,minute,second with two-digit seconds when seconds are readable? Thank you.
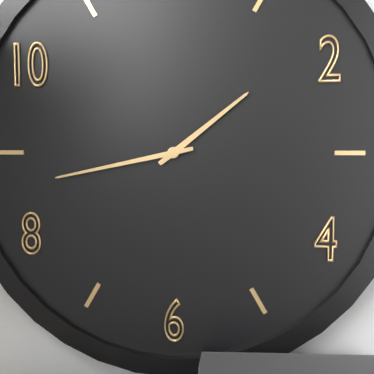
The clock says 1,43
